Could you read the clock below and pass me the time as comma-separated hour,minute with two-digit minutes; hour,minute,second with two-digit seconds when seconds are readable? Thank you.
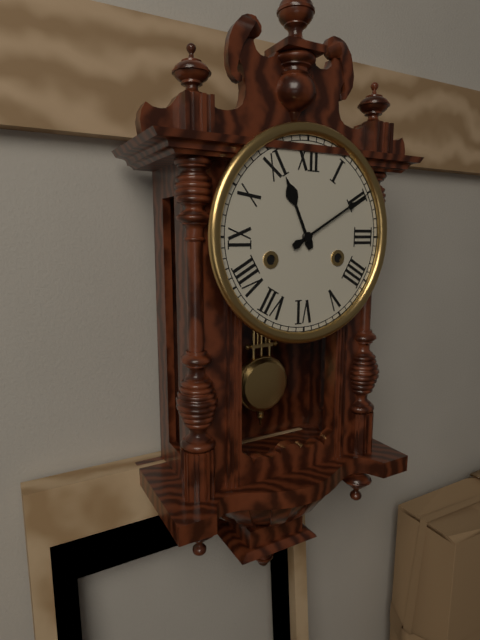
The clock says 11,10
